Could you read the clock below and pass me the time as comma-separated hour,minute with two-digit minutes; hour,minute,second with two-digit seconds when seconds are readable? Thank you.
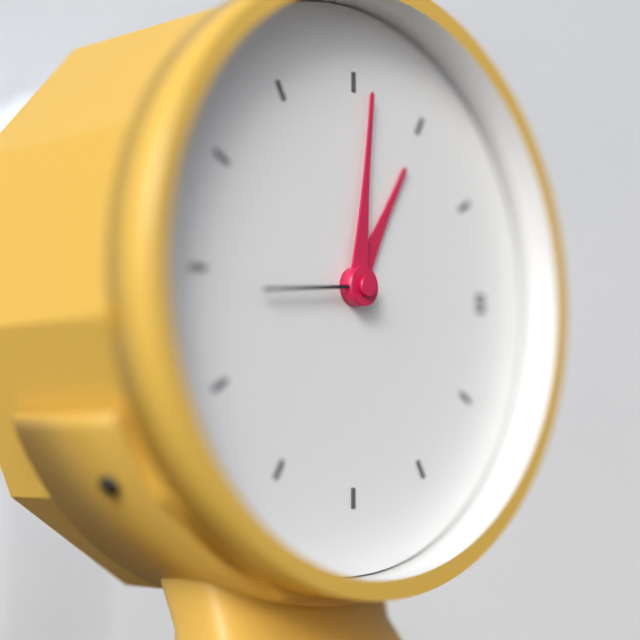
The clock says 1,01,44
